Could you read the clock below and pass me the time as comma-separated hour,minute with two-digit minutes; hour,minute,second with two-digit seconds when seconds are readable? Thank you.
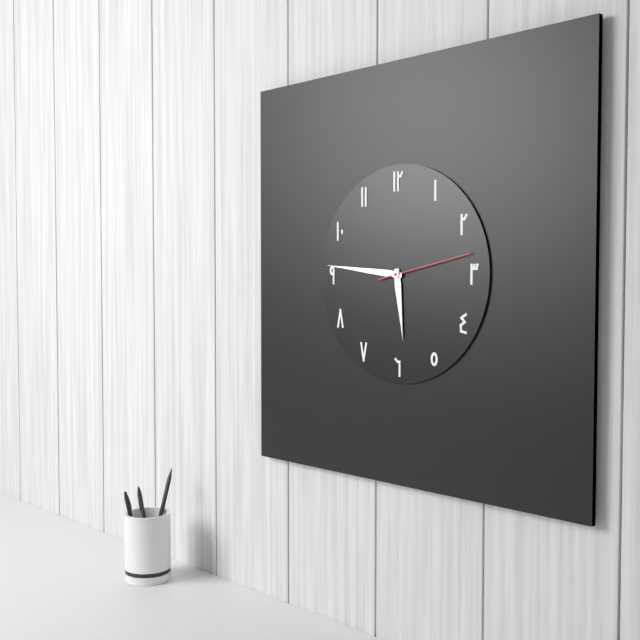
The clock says 5,46,13
